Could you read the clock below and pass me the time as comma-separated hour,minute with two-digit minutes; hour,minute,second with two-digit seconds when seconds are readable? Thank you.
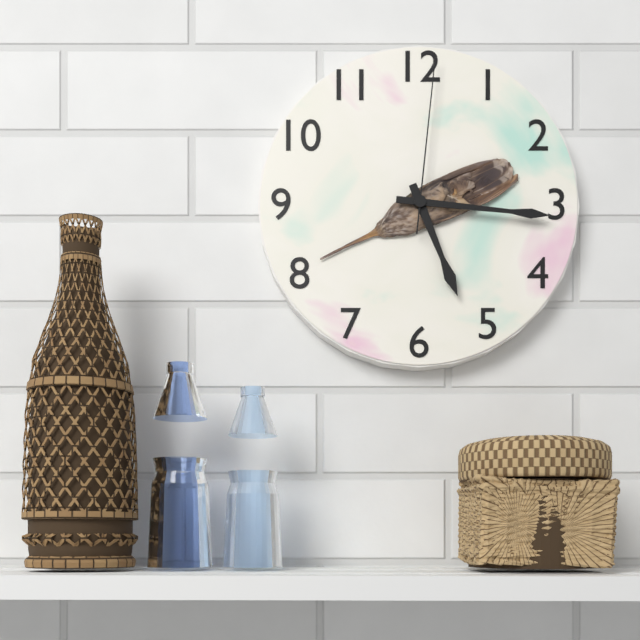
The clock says 5,16,01
